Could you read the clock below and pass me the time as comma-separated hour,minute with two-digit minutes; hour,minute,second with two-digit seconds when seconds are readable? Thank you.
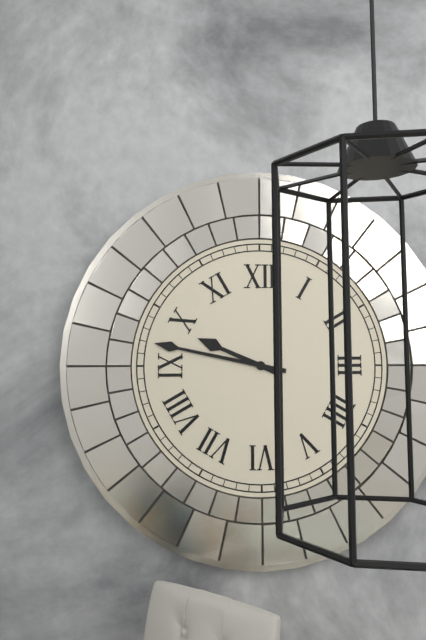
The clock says 9,47
